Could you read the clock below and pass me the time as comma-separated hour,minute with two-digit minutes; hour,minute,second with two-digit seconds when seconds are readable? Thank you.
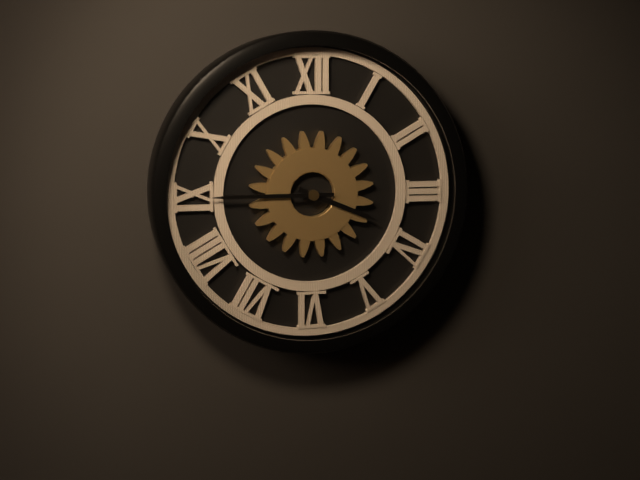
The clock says 3,45
